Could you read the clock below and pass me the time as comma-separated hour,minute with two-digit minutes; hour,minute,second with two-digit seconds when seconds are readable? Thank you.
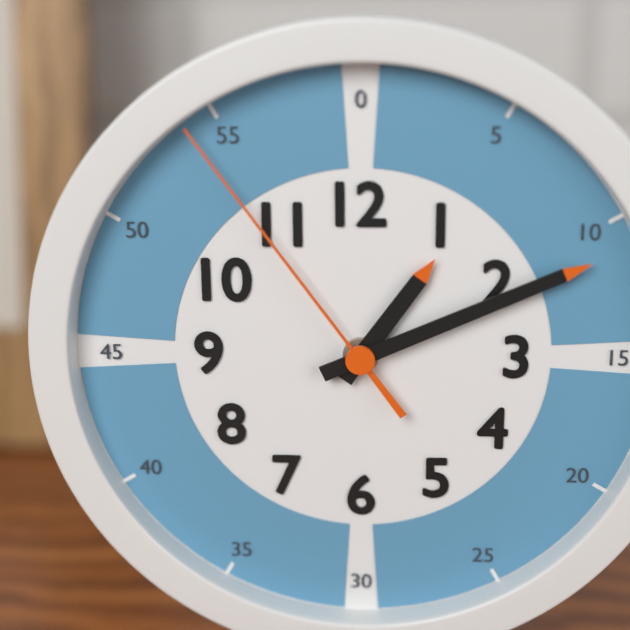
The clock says 1,11,54
